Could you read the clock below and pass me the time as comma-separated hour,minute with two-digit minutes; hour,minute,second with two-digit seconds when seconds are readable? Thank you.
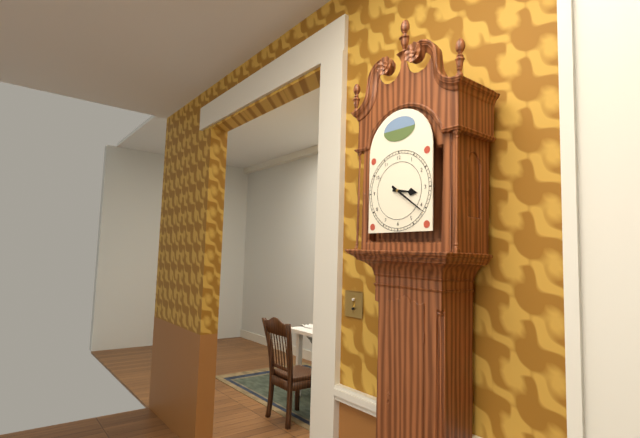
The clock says 3,21
